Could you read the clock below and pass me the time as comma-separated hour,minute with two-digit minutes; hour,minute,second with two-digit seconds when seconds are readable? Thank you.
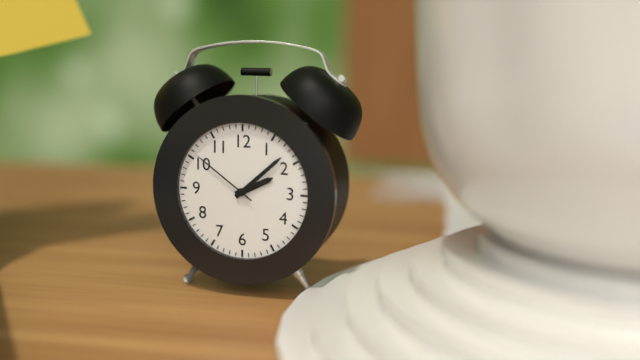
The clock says 2,08,51
